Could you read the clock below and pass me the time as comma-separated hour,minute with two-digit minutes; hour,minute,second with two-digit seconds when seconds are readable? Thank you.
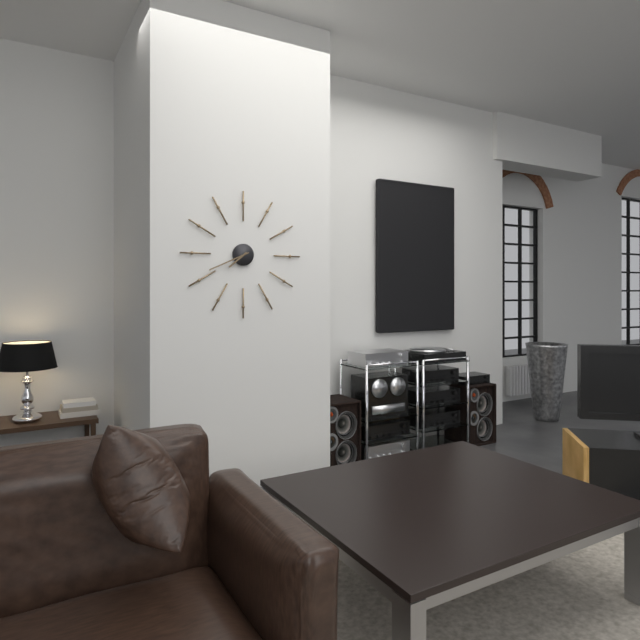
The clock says 7,41
